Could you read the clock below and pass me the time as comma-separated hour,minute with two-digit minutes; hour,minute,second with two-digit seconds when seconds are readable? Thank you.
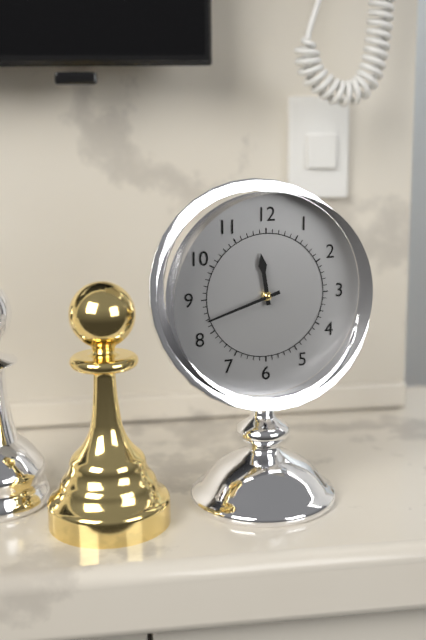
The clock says 11,42
